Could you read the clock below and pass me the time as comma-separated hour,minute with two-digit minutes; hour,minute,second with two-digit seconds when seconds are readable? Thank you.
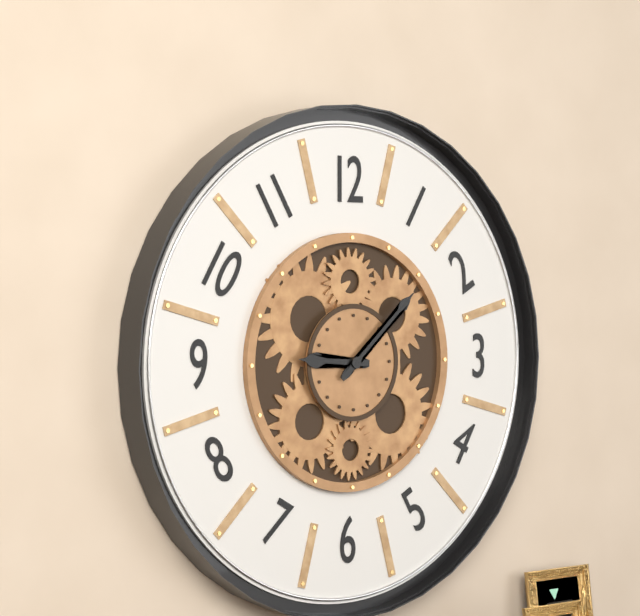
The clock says 9,08
